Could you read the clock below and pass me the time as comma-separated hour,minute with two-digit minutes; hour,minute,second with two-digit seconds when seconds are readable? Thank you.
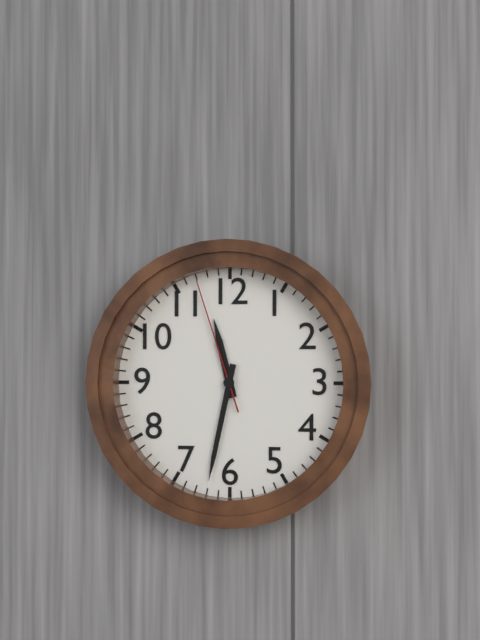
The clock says 11,32,57
